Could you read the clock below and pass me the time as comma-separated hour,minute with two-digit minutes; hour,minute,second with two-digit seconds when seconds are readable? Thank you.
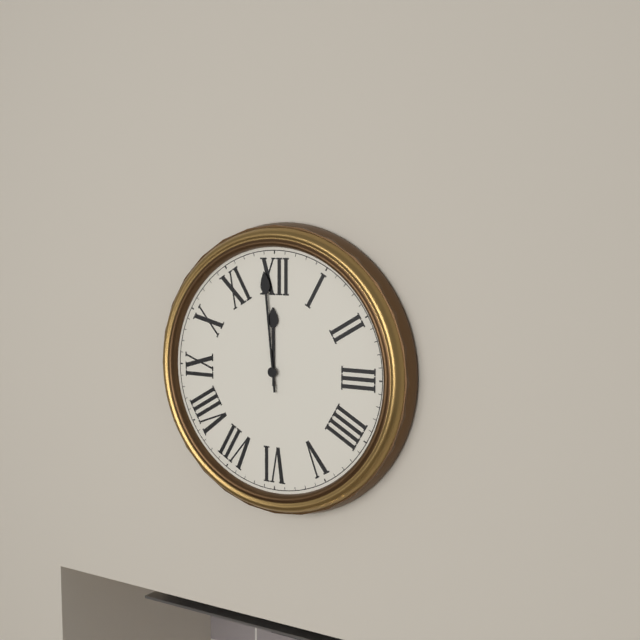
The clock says 11,59
